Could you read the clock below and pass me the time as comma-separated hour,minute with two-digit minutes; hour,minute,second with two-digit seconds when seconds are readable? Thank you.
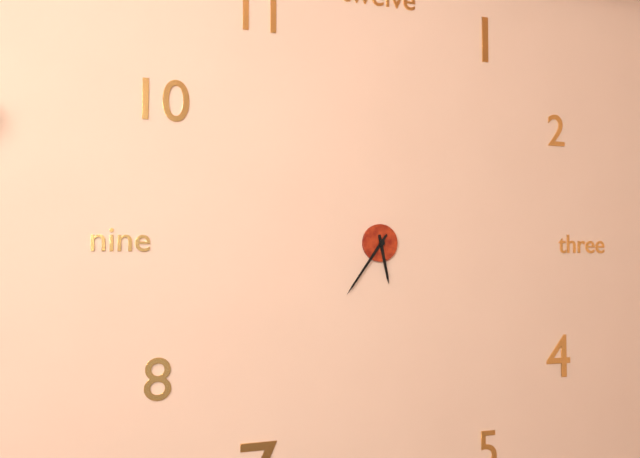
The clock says 5,36
